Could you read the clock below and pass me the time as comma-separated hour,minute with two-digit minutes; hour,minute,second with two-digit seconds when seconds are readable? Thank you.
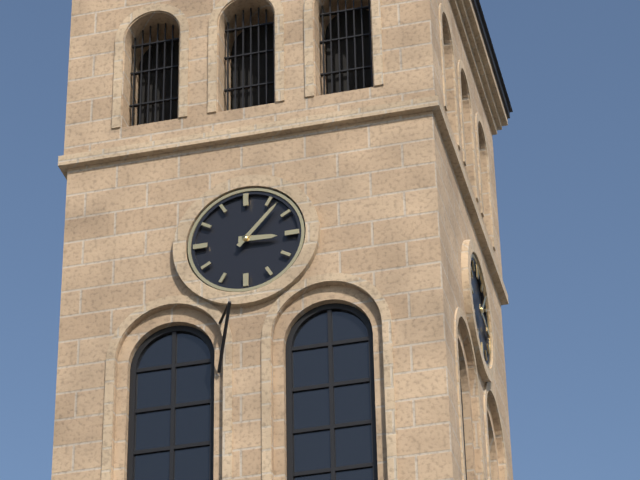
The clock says 3,07
